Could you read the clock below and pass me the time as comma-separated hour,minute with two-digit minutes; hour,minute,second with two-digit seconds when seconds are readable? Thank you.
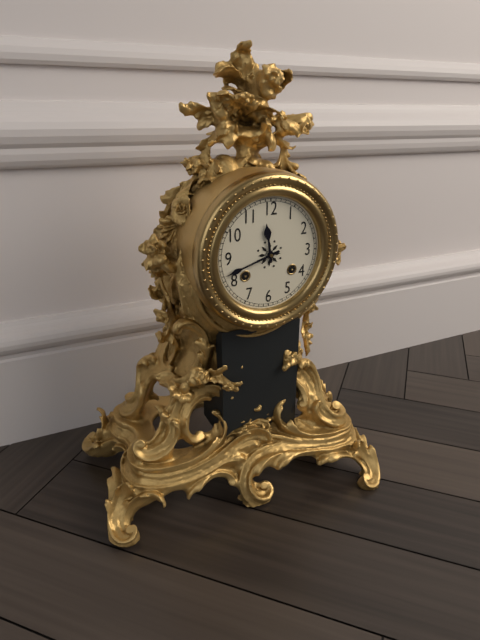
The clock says 11,42
